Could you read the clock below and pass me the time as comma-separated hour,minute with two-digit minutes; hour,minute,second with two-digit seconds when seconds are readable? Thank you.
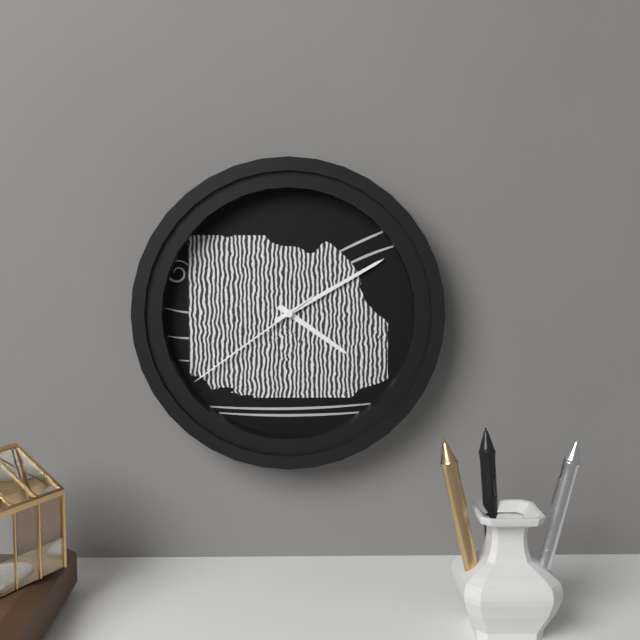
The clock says 4,10,39
